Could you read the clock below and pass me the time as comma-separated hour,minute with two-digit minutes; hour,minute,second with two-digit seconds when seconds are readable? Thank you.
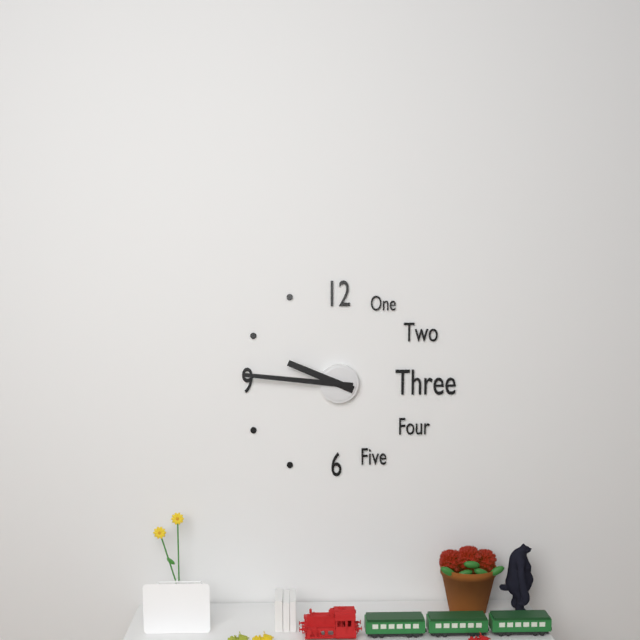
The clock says 9,46
